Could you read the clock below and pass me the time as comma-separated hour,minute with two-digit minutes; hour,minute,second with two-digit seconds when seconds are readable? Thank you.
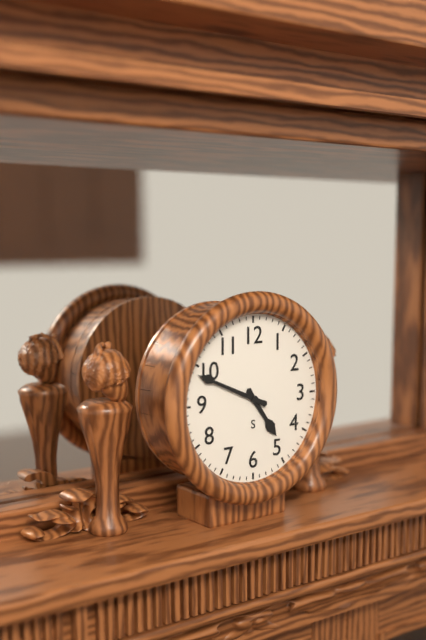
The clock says 4,49
